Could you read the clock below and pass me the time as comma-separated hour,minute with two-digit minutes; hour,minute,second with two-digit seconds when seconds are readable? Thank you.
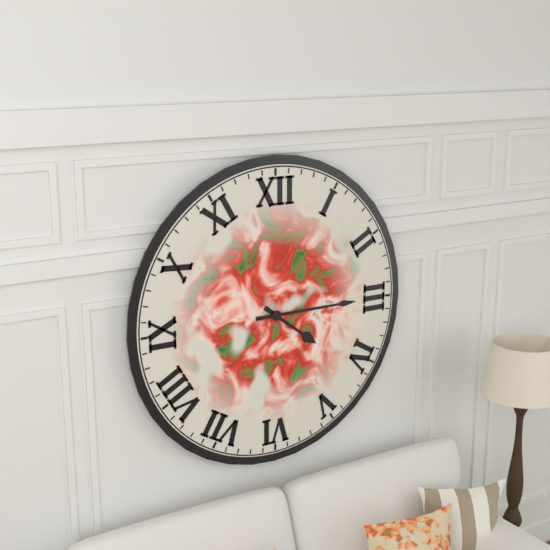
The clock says 4,15
